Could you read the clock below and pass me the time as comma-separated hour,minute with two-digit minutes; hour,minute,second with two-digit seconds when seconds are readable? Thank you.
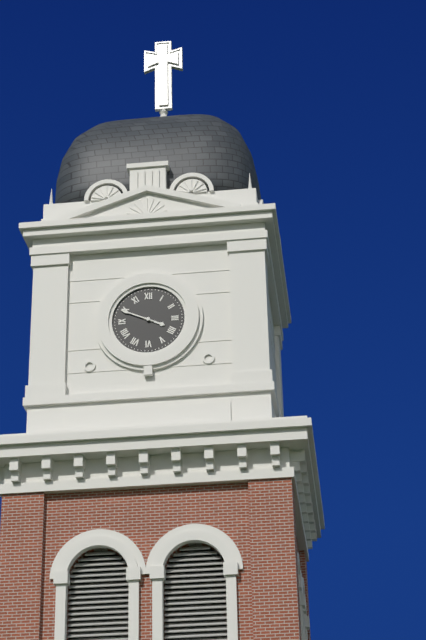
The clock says 3,49
